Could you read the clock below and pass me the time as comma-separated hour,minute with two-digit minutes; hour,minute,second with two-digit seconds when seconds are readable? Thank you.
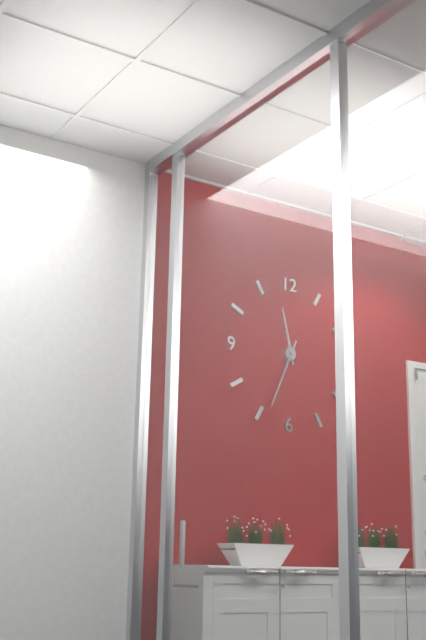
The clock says 11,34
